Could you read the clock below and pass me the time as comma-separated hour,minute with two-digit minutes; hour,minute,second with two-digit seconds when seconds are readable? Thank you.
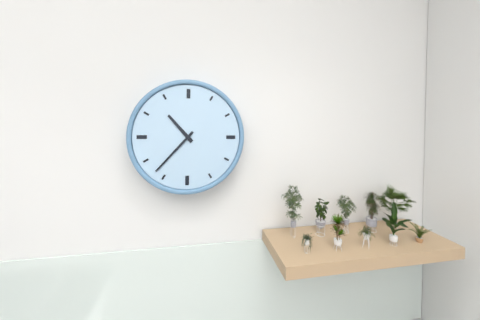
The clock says 10,37
